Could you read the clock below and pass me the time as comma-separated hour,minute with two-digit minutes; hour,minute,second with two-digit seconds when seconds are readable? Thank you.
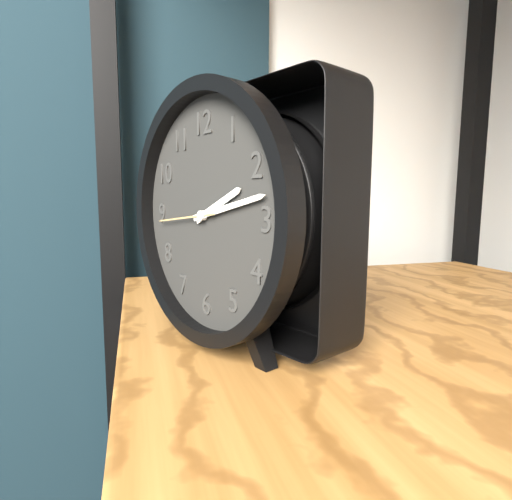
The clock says 2,13,44
